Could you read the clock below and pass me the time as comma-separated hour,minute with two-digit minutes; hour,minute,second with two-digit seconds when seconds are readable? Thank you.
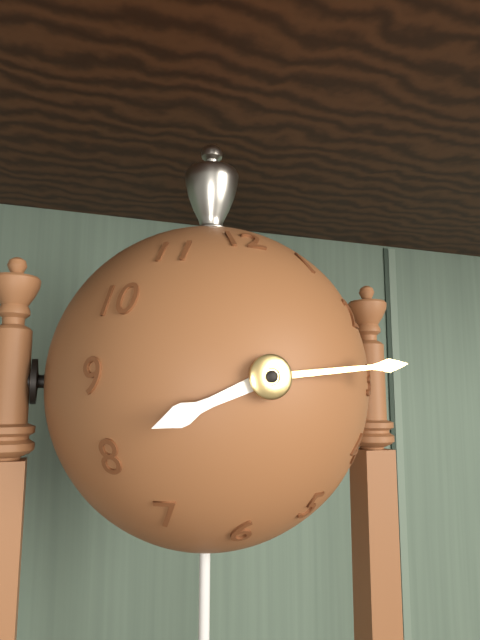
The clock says 8,14
